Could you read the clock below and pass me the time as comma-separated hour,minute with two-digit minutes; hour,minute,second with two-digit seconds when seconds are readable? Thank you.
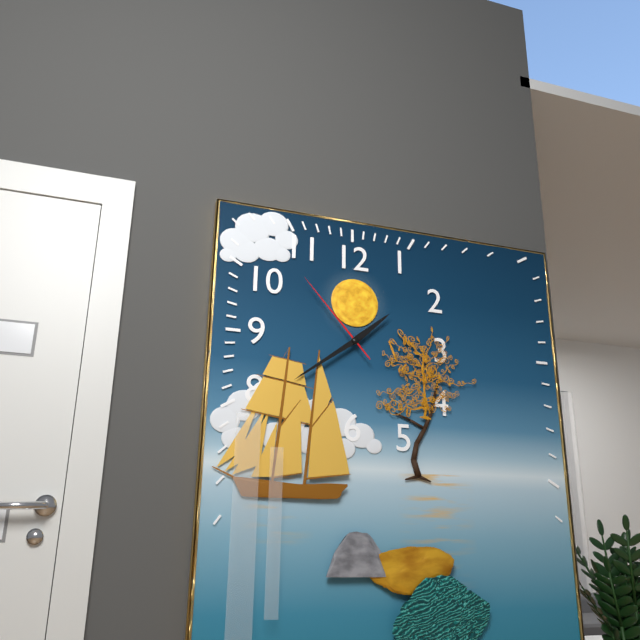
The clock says 1,39,53
